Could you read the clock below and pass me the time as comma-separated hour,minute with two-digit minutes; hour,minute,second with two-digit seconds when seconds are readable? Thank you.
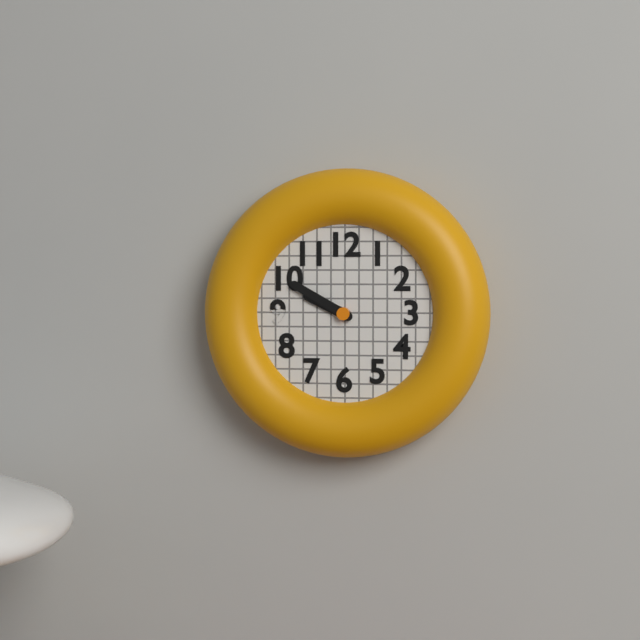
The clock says 9,50
